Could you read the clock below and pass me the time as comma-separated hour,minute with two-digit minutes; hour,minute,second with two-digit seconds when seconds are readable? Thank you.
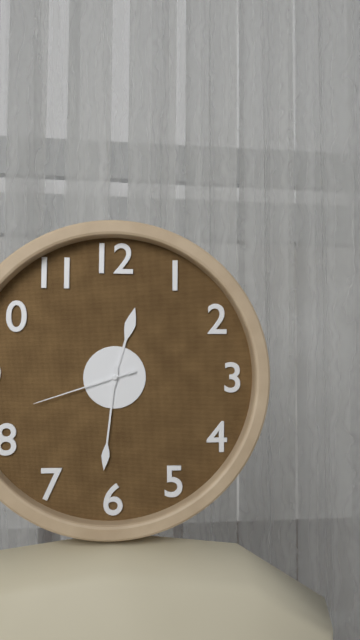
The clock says 12,31,42
